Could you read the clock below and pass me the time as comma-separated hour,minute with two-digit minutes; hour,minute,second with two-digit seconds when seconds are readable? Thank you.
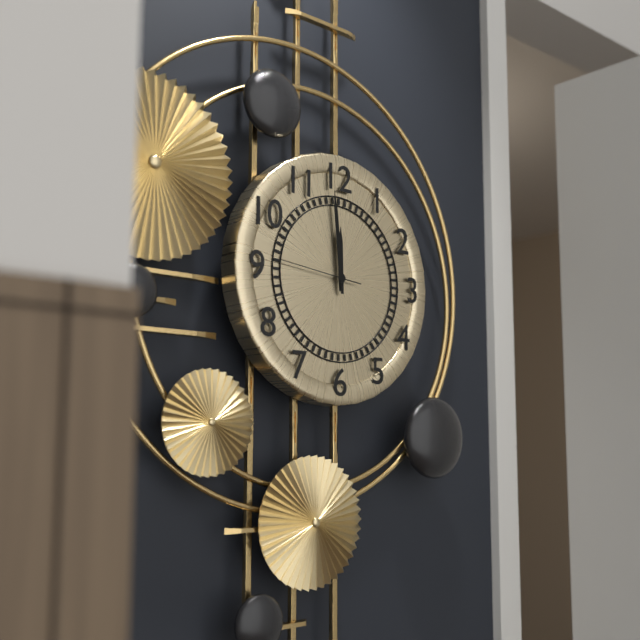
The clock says 11,59,46
